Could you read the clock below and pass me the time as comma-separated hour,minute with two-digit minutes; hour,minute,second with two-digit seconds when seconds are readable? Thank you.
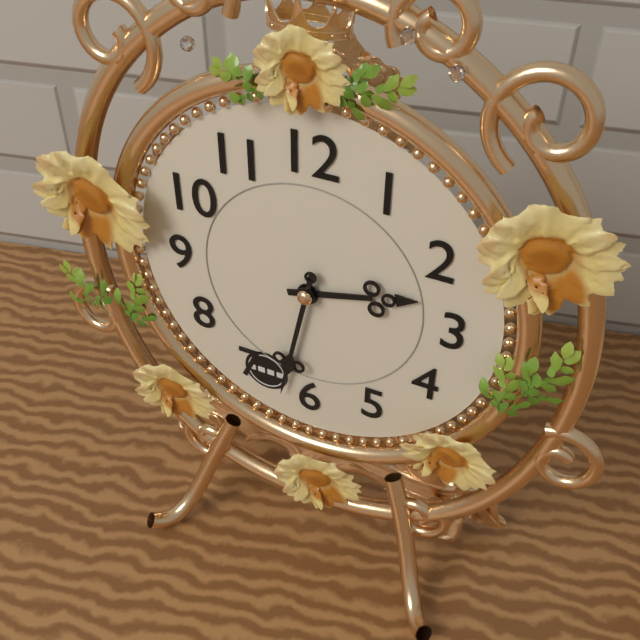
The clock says 2,32
